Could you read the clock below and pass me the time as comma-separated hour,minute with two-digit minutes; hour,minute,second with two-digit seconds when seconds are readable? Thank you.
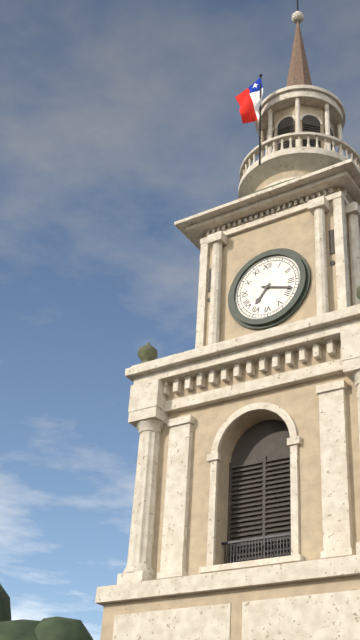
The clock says 7,18
